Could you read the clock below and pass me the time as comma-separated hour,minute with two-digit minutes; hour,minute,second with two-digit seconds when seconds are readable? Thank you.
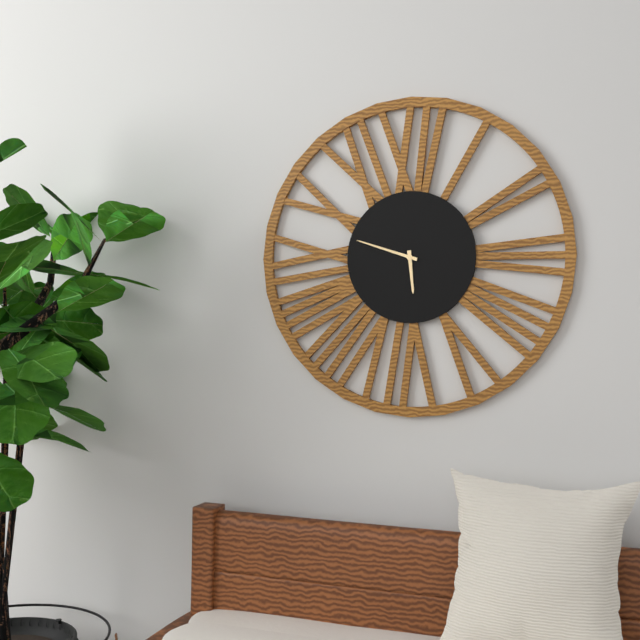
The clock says 5,48
